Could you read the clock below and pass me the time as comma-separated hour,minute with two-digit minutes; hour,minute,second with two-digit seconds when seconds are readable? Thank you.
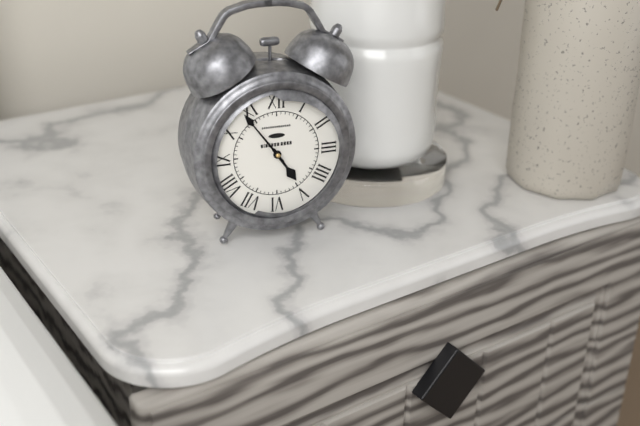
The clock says 4,54
